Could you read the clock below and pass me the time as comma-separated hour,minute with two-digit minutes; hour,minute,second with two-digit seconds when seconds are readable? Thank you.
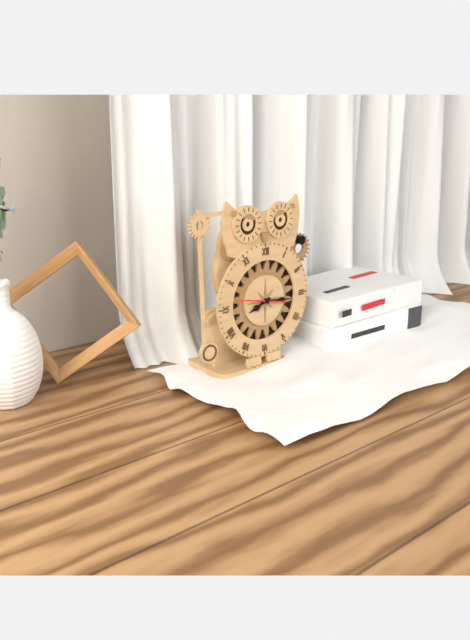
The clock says 8,16
